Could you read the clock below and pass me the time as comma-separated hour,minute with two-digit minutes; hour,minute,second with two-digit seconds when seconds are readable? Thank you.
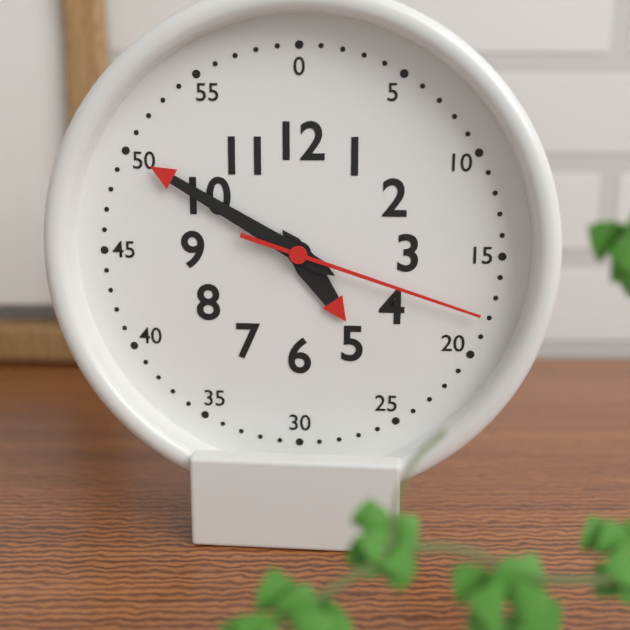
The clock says 4,50,18
